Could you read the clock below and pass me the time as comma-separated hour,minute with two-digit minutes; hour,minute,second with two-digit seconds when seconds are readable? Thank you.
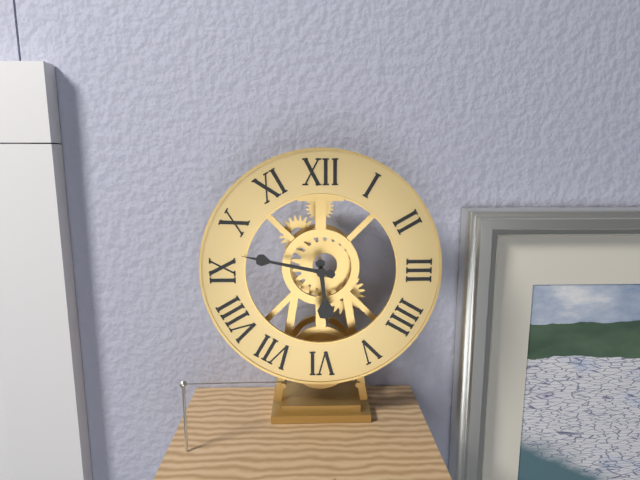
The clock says 5,47
